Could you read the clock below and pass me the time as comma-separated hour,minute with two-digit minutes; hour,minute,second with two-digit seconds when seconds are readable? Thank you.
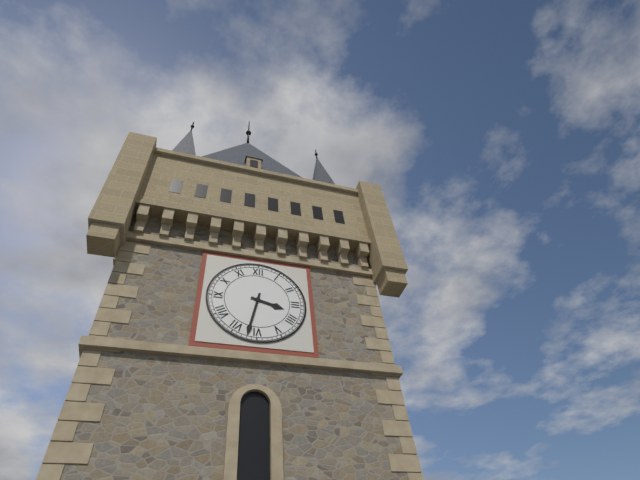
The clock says 3,32
